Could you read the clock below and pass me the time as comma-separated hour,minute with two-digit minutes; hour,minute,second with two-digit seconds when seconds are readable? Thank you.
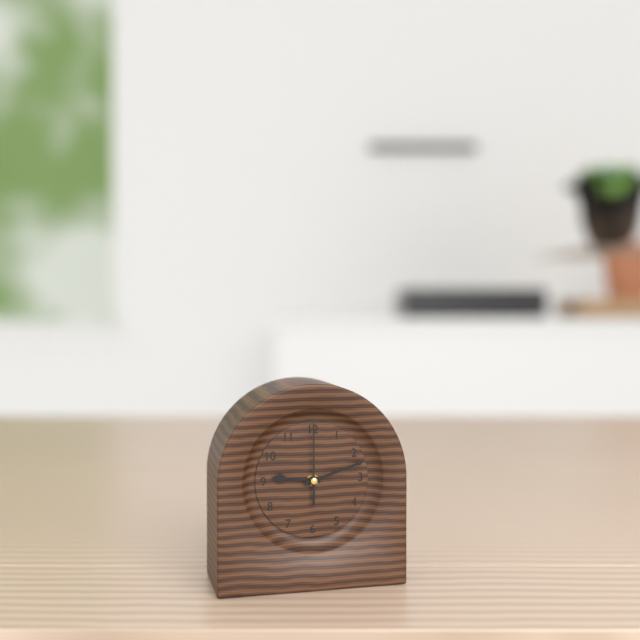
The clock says 9,12,00
